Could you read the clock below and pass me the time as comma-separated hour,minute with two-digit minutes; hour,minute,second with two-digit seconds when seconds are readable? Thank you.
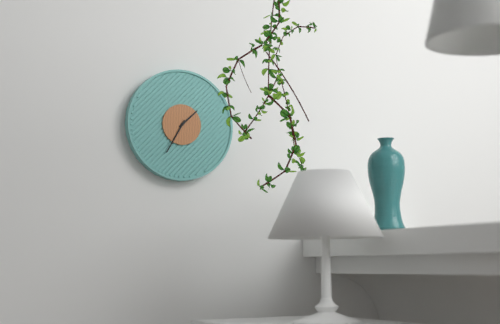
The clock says 1,35
